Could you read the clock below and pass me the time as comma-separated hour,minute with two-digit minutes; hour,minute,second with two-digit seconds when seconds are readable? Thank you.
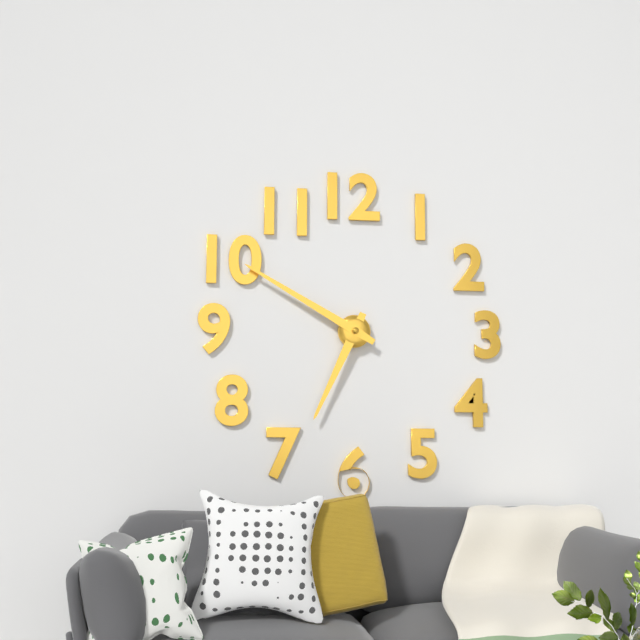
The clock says 6,50
